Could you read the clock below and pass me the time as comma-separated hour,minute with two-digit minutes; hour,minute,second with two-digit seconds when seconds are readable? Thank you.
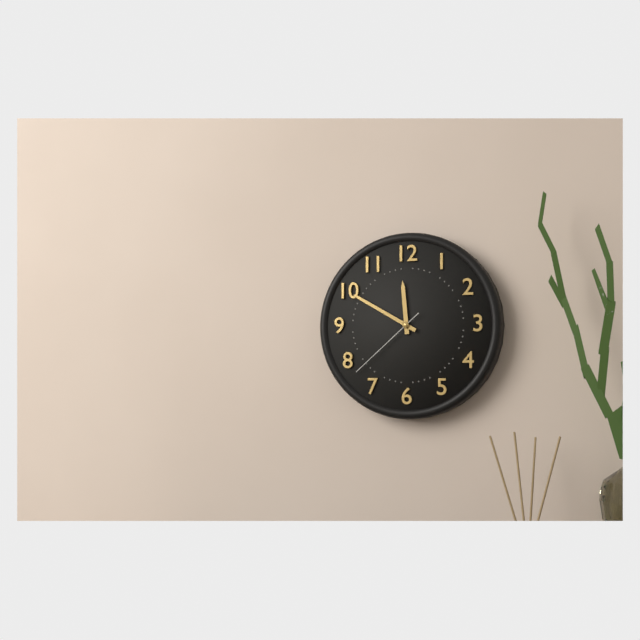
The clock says 11,50,38
